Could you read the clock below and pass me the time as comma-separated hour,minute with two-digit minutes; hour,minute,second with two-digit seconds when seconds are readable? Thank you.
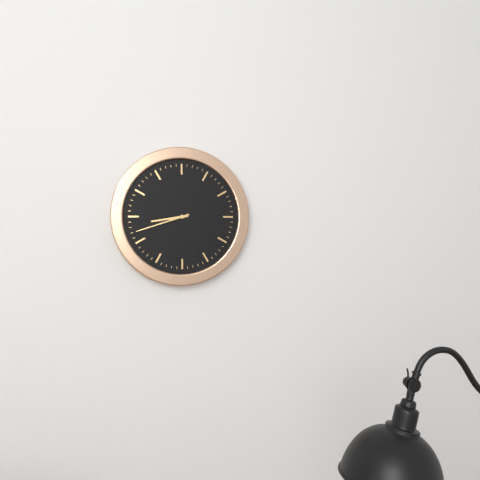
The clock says 8,42
